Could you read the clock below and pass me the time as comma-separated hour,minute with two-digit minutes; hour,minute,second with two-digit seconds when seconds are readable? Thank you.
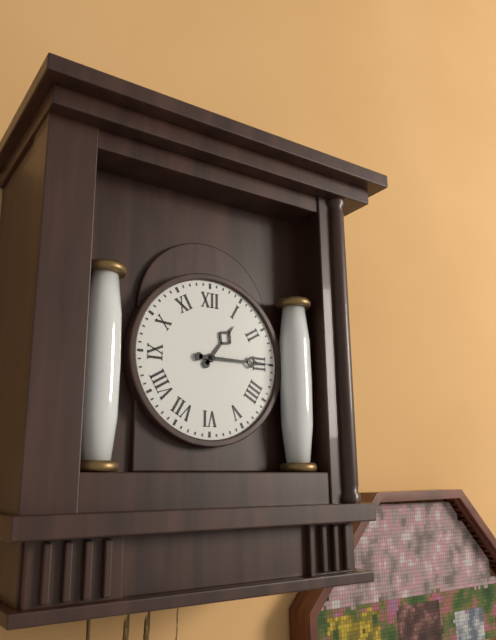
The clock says 1,15
